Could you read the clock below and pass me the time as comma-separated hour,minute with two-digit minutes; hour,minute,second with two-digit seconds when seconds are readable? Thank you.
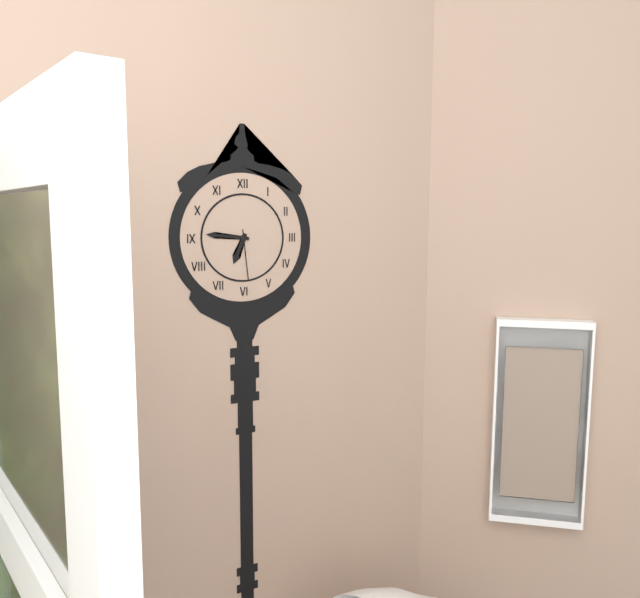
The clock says 6,46,29
